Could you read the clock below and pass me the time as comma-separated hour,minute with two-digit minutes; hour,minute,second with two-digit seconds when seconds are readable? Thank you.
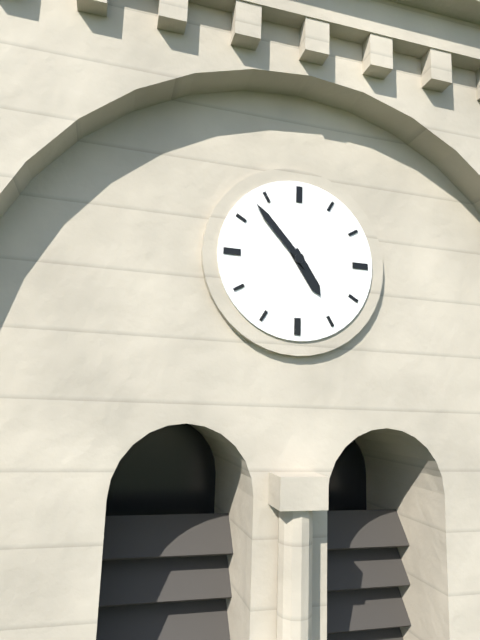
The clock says 4,53
